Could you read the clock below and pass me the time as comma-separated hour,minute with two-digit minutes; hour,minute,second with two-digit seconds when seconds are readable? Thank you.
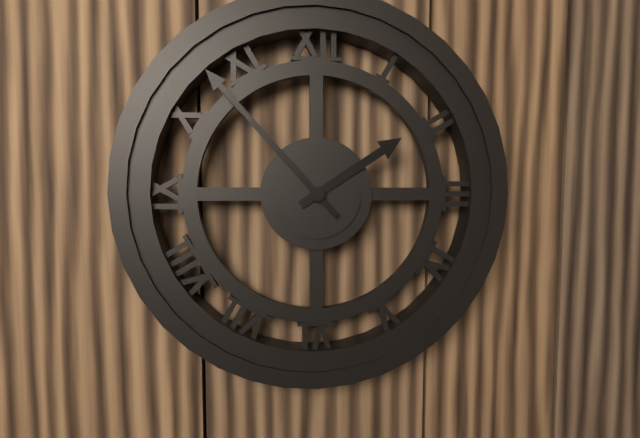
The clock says 1,53
